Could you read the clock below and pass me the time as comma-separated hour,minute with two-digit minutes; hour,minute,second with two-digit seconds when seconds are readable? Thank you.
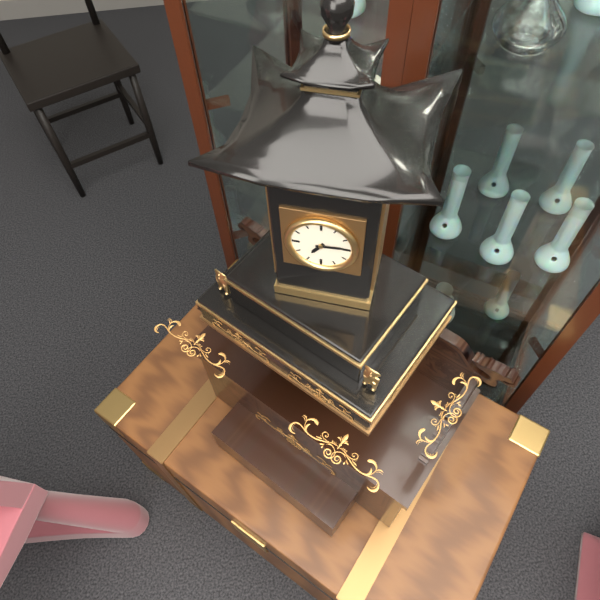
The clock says 7,14
